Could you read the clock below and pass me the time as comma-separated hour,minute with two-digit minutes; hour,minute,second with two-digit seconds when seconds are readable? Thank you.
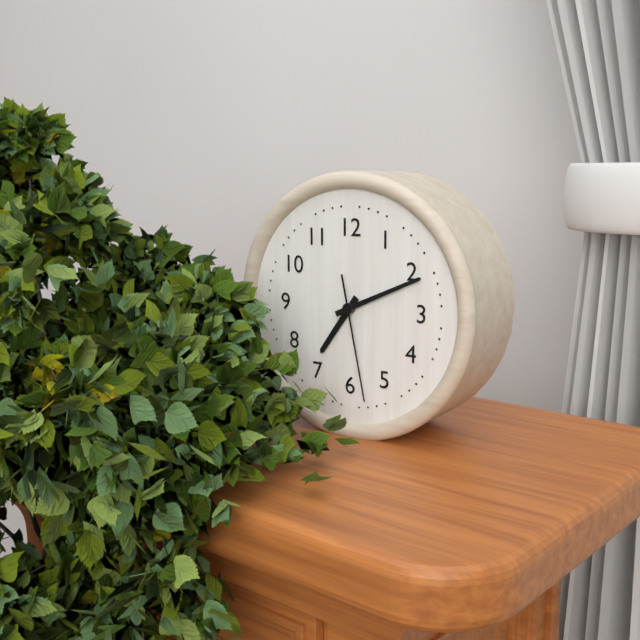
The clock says 7,11,28
